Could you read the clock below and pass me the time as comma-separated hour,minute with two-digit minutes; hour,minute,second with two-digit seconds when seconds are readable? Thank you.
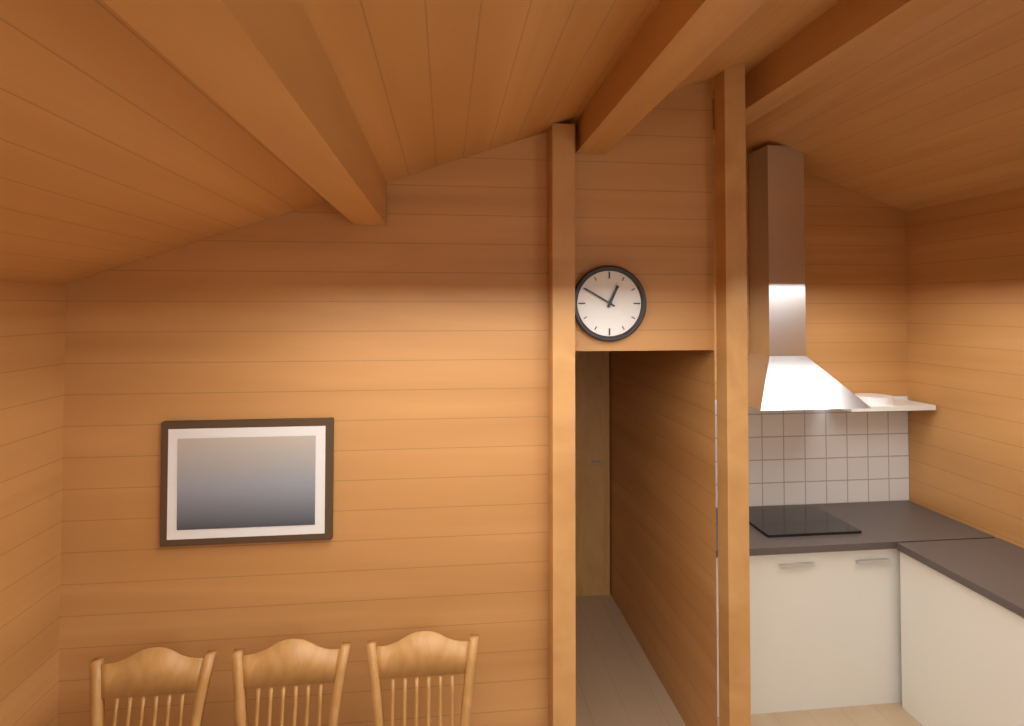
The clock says 12,50
